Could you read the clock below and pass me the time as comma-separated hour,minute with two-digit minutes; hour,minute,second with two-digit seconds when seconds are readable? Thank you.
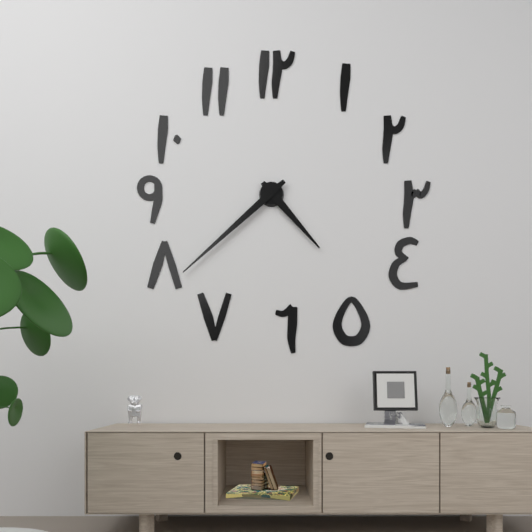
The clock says 4,38
